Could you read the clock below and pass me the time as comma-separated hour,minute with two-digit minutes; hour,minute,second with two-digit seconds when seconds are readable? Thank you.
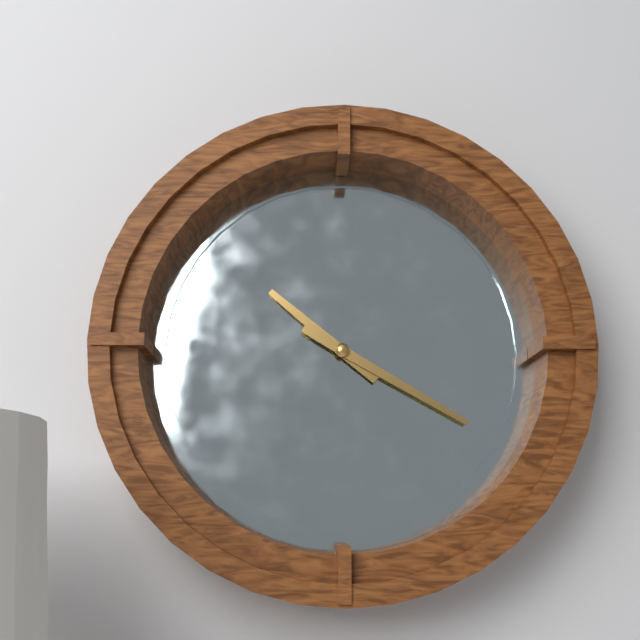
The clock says 10,20
